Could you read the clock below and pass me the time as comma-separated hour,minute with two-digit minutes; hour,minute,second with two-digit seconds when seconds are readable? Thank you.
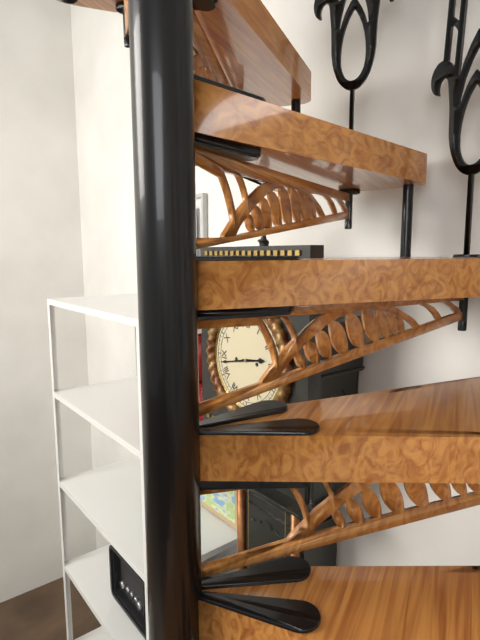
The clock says 2,43
